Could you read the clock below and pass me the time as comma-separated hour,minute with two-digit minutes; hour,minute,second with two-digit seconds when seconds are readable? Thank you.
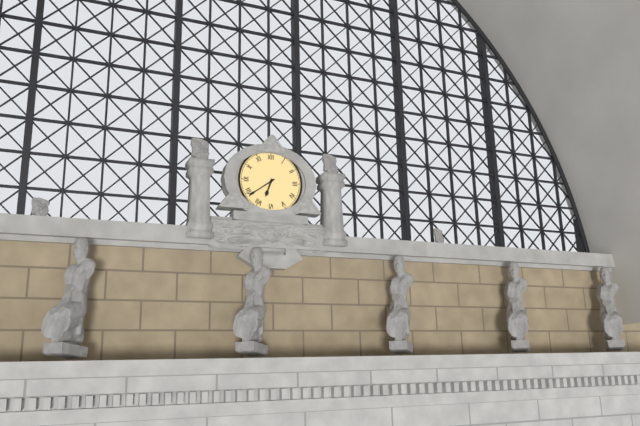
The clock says 6,39
